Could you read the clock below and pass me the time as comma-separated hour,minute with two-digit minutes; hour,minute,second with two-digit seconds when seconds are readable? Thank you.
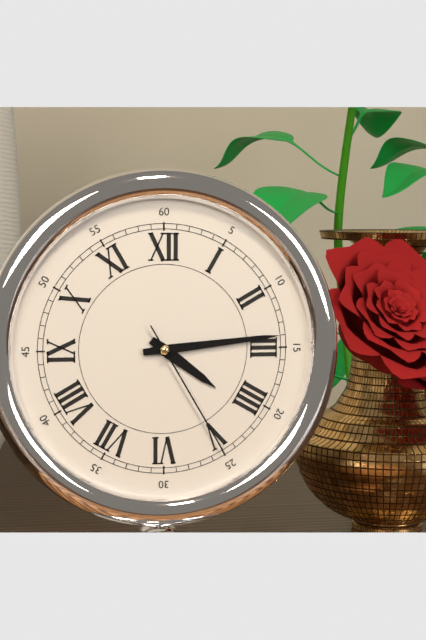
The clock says 4,14,25
